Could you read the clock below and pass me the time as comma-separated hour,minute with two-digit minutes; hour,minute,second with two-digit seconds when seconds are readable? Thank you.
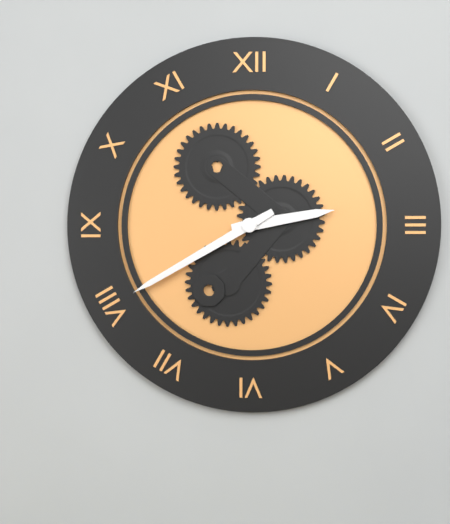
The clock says 2,40
